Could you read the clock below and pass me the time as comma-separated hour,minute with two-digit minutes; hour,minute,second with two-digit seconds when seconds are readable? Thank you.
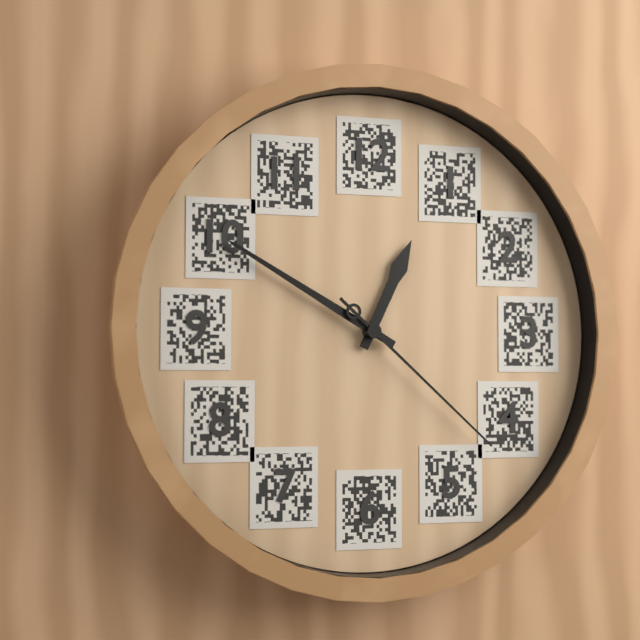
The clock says 12,50,22
